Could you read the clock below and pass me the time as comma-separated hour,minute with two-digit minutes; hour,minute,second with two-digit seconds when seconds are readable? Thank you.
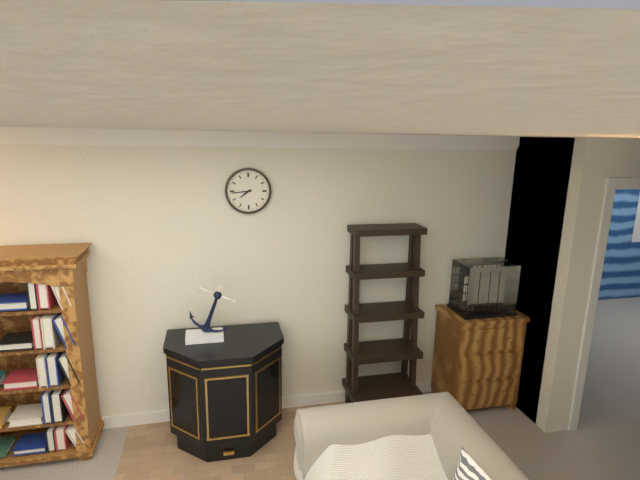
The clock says 7,44
